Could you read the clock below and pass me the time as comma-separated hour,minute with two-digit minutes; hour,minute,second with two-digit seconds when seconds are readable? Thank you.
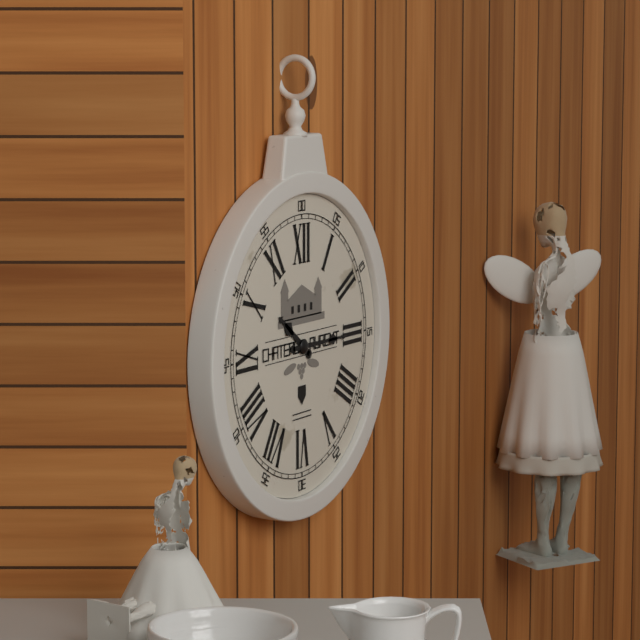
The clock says 10,15
